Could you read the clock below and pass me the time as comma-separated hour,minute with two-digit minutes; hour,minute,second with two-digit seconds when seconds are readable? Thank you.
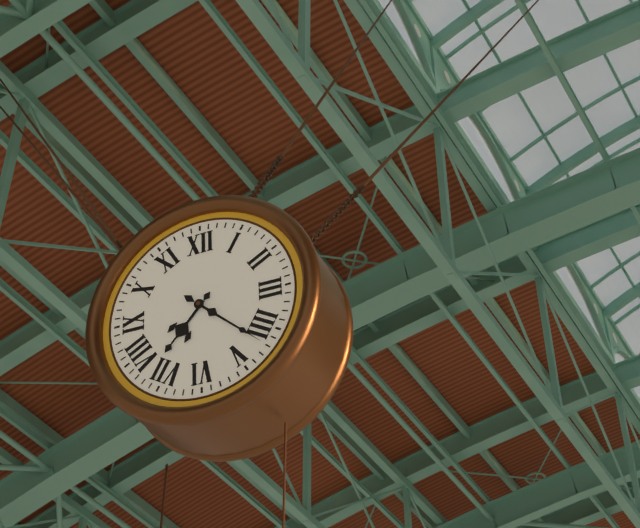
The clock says 7,22
